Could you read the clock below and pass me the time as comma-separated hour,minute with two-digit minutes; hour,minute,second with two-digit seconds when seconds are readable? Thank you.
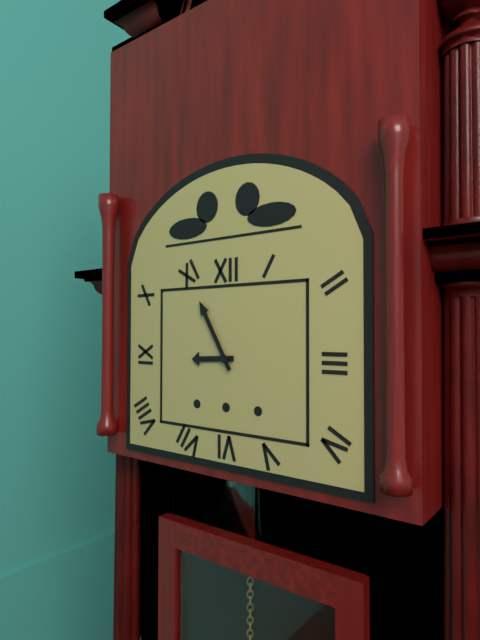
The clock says 8,55
